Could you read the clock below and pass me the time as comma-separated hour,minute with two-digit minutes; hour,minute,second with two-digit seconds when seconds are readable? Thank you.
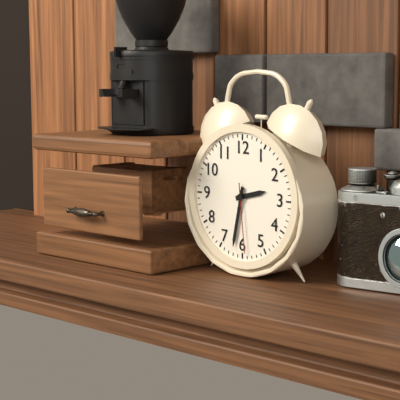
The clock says 2,32,29
